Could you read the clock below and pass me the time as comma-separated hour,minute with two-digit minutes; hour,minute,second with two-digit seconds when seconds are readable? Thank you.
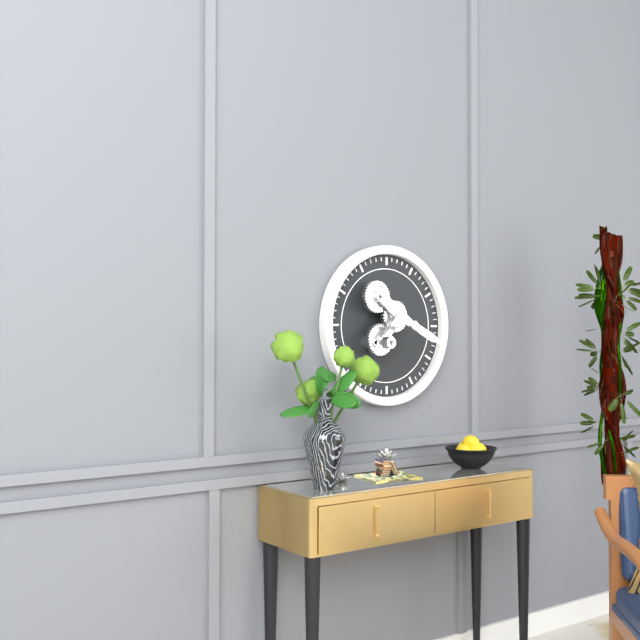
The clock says 3,51
